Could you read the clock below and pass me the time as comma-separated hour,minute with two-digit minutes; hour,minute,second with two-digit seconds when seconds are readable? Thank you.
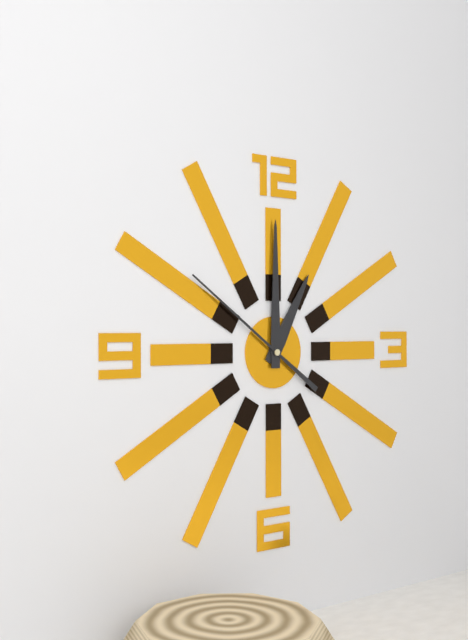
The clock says 1,00,51
